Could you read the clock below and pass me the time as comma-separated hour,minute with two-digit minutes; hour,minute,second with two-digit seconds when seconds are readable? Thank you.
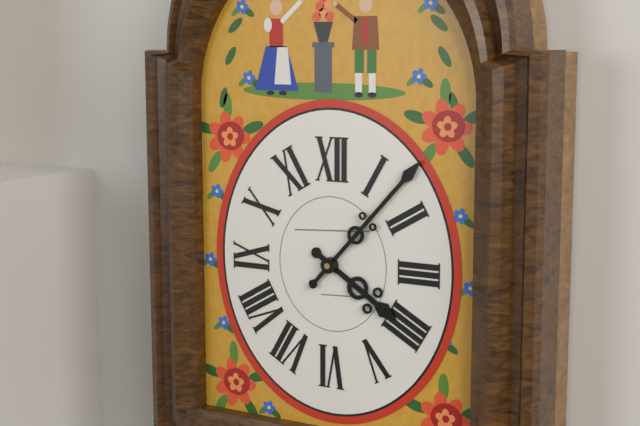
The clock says 4,07
